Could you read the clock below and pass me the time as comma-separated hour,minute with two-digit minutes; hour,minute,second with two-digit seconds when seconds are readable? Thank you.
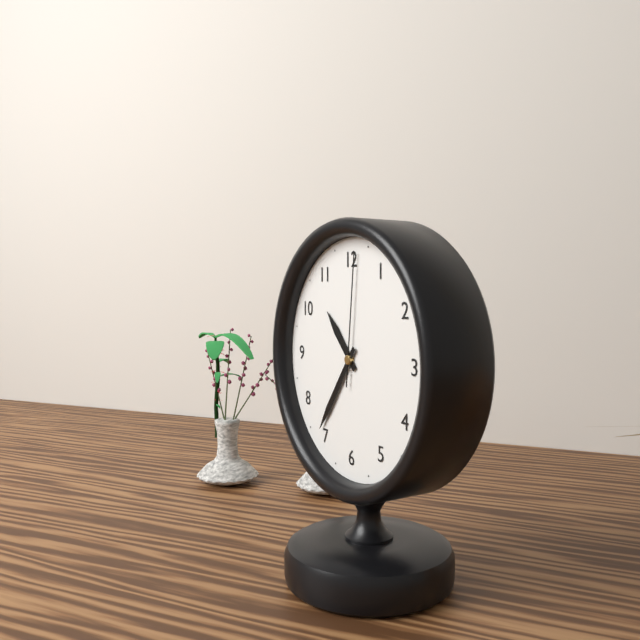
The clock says 10,36,01
